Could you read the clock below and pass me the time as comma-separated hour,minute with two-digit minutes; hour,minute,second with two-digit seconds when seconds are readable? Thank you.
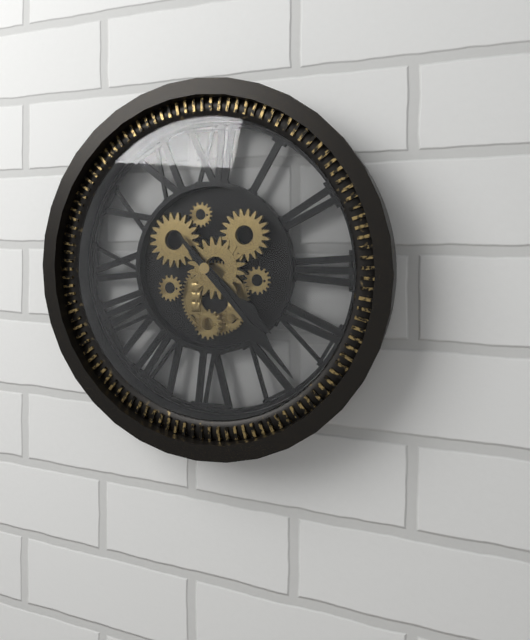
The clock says 4,23
